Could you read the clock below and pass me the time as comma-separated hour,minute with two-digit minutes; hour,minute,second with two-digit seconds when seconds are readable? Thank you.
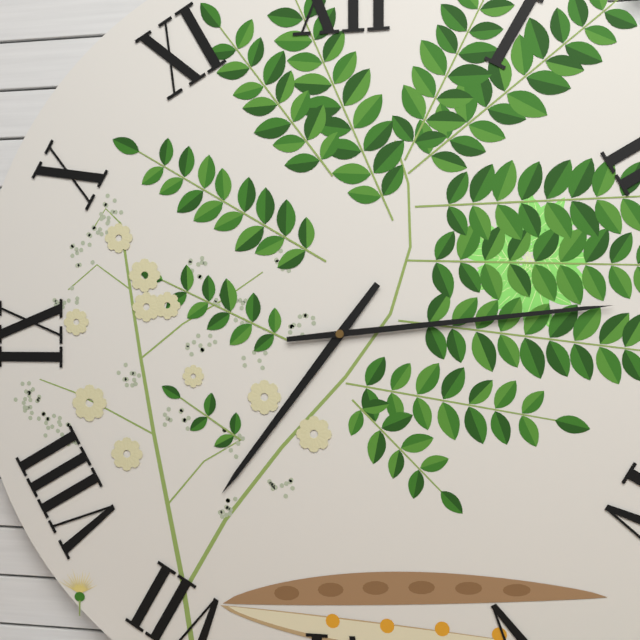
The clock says 7,14
